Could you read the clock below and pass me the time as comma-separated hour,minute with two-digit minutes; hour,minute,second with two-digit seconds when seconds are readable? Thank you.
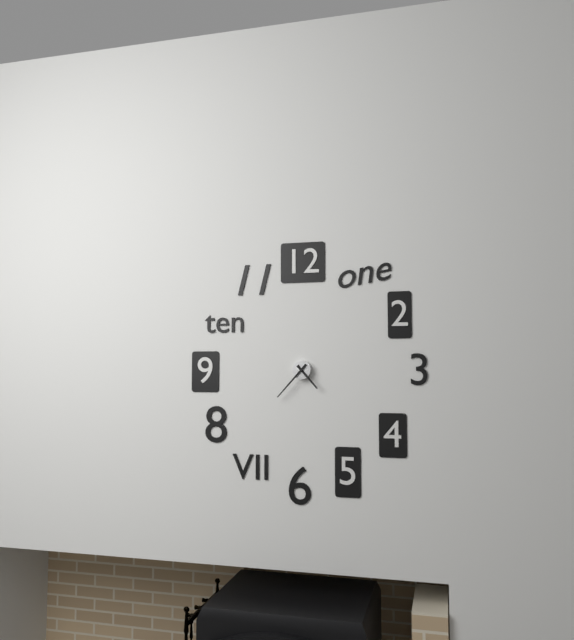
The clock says 4,37
